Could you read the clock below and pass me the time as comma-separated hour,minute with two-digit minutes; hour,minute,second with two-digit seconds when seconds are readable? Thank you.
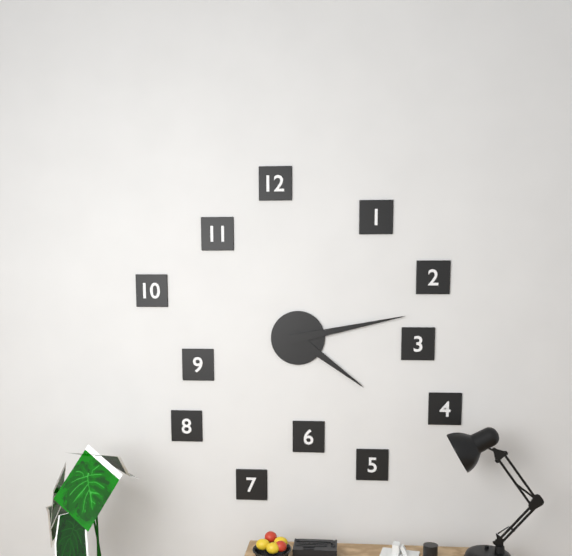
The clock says 4,13
